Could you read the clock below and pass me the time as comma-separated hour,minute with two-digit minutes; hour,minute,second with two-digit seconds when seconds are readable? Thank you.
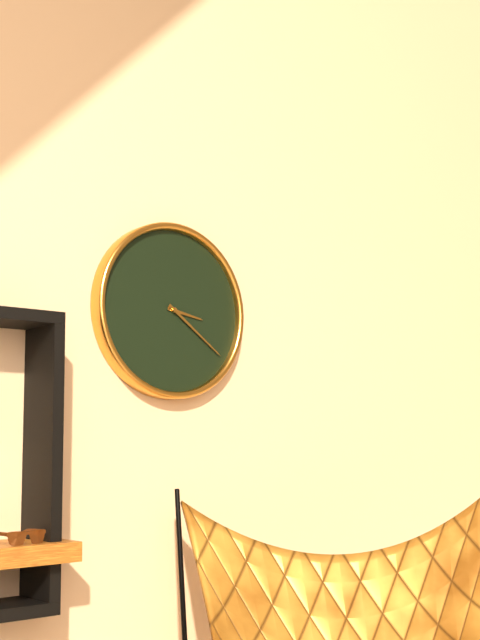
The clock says 3,21
